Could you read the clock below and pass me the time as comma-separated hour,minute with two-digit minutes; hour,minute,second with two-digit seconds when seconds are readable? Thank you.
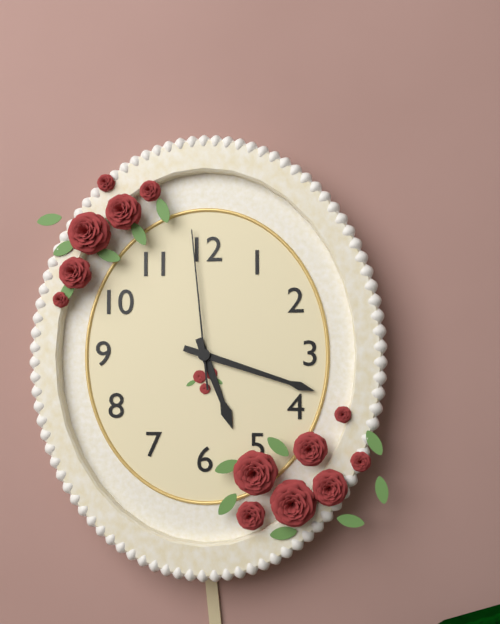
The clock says 5,18,59
